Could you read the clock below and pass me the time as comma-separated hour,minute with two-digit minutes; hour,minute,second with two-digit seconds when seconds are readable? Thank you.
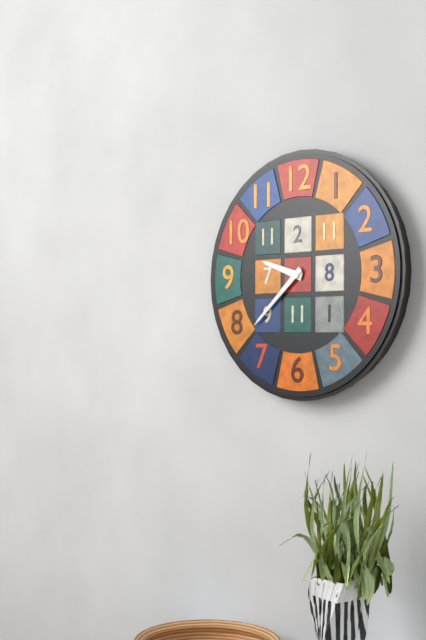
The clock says 9,38
